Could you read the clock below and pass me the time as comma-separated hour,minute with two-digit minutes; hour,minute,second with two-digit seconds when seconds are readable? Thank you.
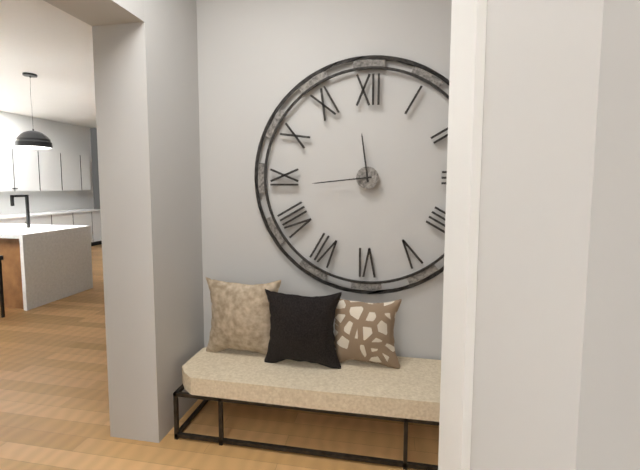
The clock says 11,44
